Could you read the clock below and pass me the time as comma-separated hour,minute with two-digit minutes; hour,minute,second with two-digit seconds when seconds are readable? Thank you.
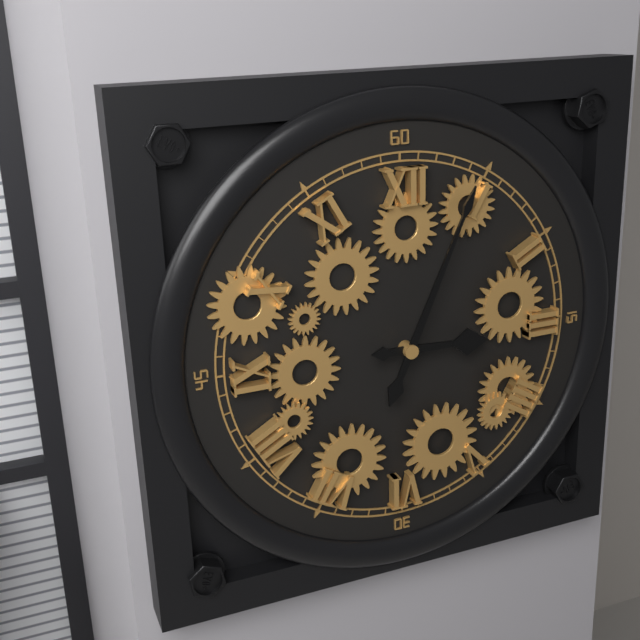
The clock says 3,04
